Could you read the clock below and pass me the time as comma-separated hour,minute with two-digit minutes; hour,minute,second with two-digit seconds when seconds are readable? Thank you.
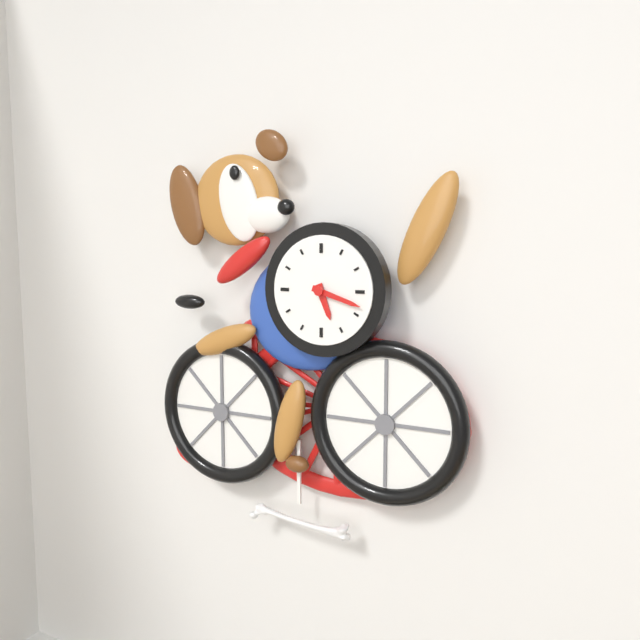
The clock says 5,18
